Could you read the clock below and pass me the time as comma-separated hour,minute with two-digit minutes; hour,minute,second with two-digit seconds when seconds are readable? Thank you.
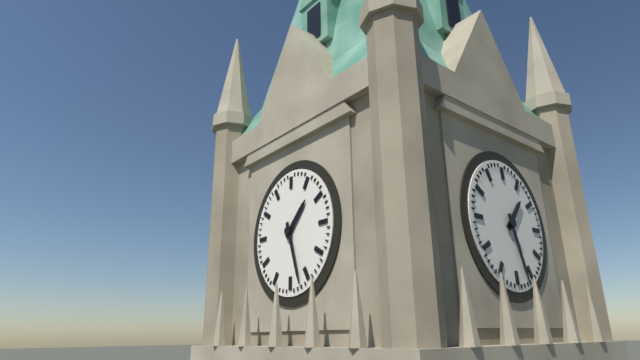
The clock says 1,27
